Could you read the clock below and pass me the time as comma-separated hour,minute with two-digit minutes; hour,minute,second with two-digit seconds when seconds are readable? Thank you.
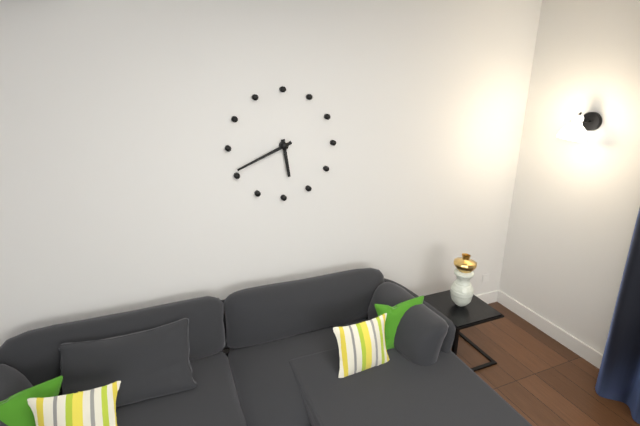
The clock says 5,41
